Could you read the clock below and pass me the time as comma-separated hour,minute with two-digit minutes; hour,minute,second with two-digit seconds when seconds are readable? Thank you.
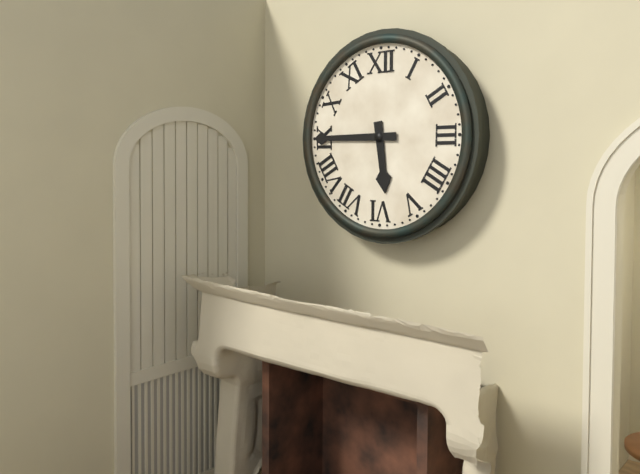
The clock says 5,45
